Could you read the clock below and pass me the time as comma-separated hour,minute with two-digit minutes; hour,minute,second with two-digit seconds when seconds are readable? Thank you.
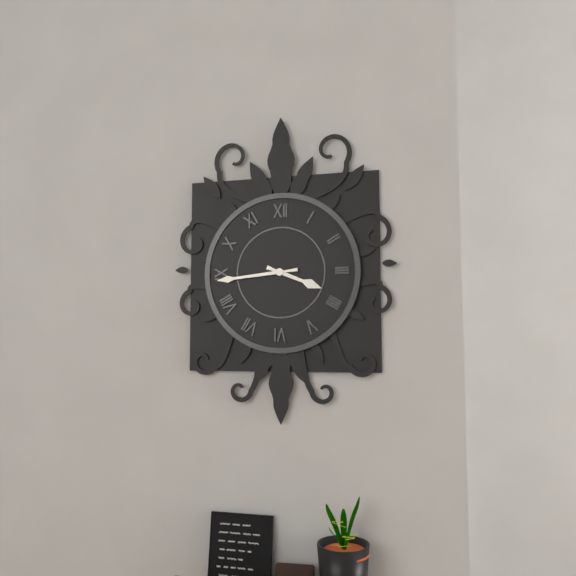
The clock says 3,44
